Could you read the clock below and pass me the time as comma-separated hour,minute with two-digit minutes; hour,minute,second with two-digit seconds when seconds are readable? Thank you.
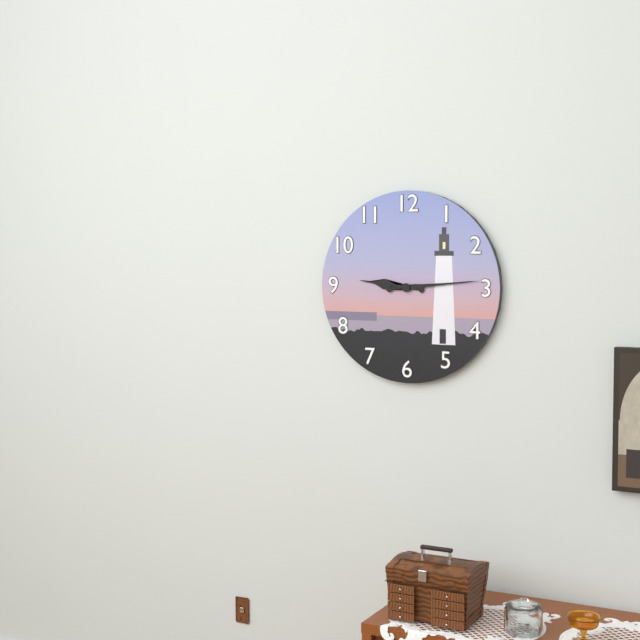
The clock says 9,14
